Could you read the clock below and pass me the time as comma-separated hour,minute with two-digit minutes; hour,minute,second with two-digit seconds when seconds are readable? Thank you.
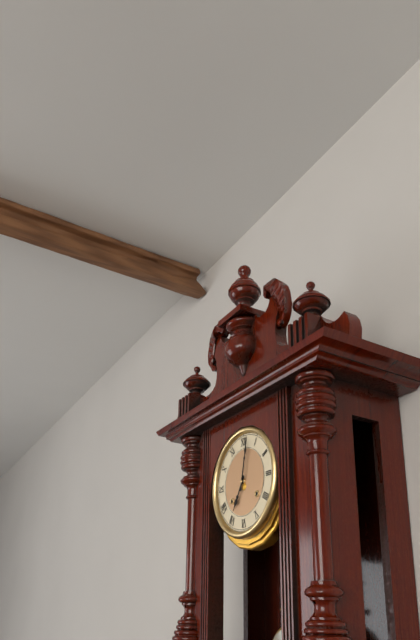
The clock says 7,02
